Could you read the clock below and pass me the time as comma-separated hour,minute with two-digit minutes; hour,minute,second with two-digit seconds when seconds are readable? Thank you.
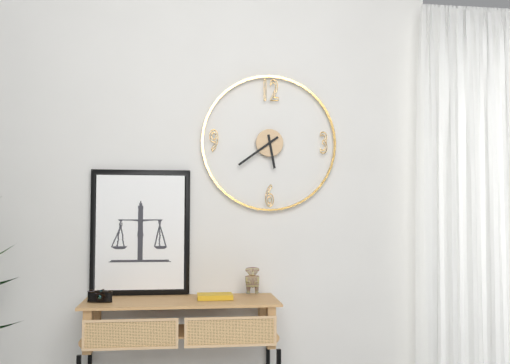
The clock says 5,39
